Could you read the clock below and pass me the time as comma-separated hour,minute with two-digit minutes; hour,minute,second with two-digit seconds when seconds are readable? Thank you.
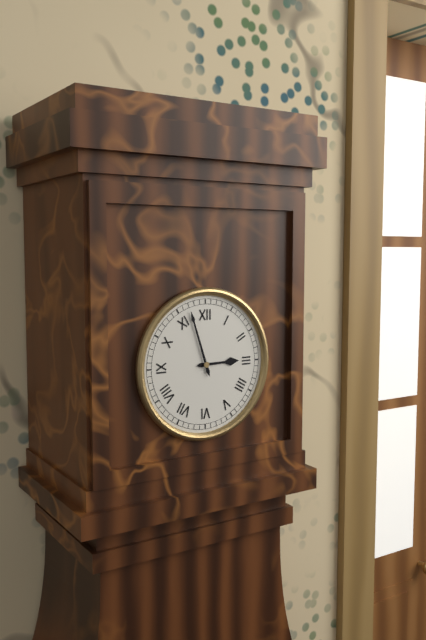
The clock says 2,57
